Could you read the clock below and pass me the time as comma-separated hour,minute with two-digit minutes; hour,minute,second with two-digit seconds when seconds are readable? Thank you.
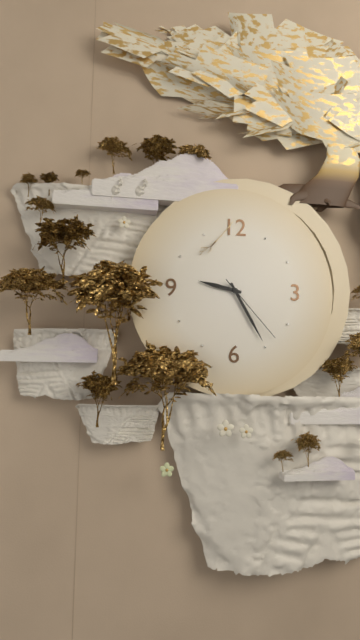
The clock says 9,25,23
